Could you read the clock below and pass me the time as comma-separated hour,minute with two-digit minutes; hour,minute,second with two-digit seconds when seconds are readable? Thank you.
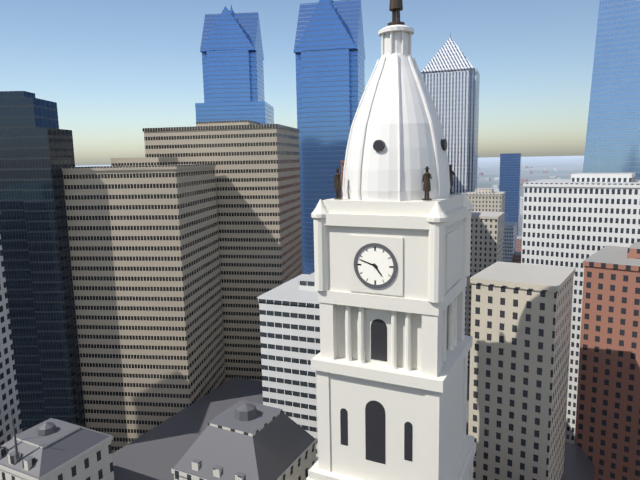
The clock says 4,48
